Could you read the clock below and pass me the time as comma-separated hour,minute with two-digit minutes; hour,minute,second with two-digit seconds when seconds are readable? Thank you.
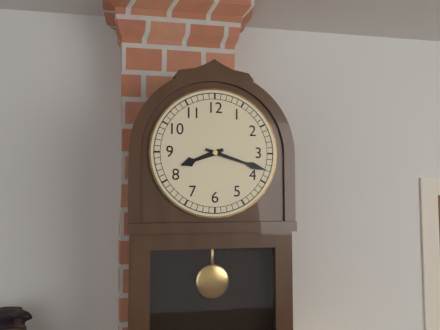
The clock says 8,18
